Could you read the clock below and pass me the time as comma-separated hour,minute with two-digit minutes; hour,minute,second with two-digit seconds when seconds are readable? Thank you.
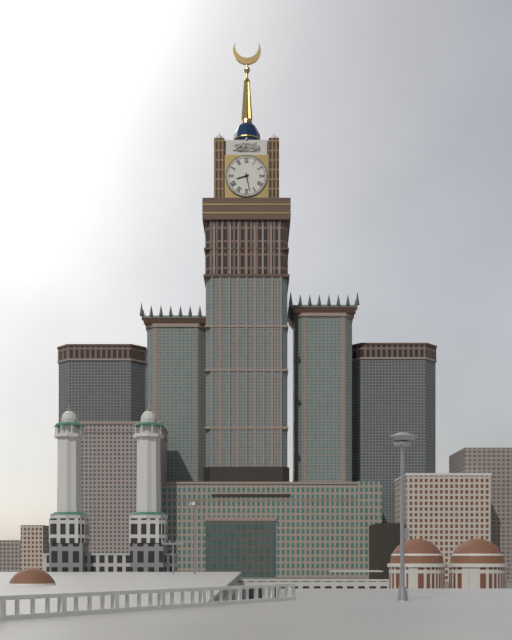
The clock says 8,28
